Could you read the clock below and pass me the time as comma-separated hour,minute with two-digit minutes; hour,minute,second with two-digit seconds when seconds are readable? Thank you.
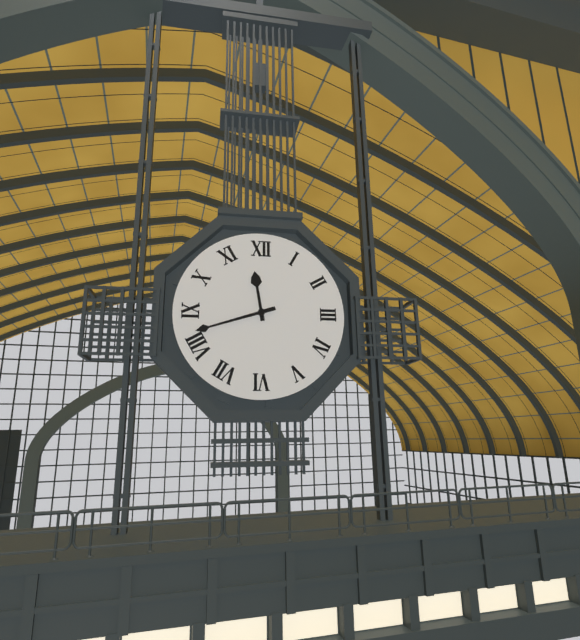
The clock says 11,42
